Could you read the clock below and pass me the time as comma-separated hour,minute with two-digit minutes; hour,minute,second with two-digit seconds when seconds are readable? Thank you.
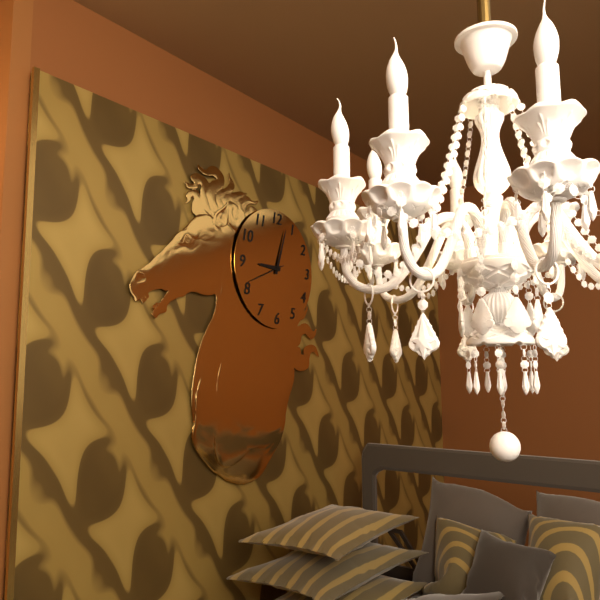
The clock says 9,03
